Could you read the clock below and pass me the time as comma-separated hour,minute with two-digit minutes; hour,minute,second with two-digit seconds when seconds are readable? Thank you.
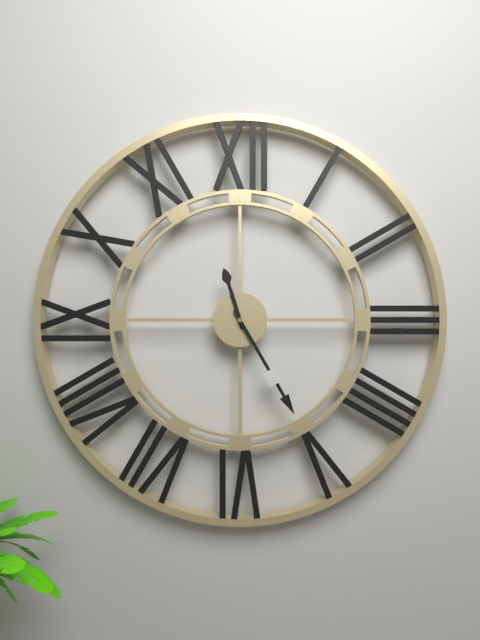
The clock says 11,25
